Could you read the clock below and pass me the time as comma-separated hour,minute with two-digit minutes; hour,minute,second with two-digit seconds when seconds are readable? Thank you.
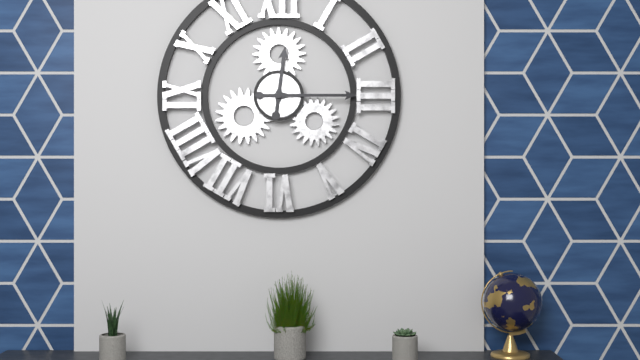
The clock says 12,15
